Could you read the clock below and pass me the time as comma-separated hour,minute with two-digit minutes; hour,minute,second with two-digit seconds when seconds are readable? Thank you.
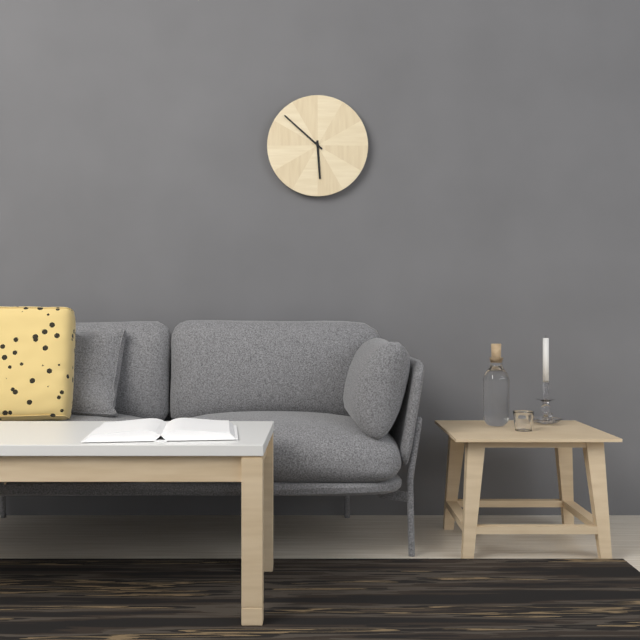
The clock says 5,52
